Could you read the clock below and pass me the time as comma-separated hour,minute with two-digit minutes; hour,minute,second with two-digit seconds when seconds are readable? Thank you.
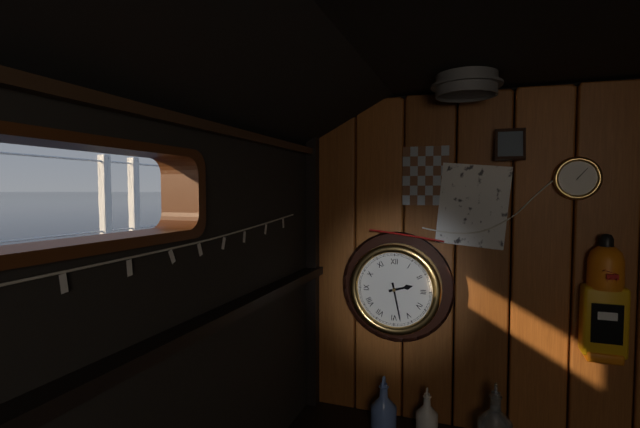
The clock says 2,28
